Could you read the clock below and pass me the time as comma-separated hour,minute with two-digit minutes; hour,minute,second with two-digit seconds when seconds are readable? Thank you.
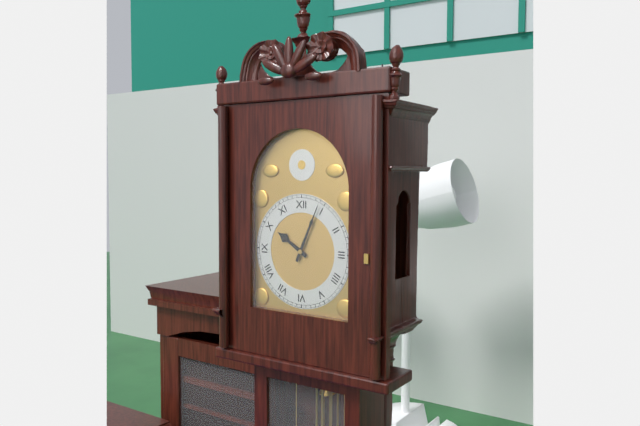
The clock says 10,04
